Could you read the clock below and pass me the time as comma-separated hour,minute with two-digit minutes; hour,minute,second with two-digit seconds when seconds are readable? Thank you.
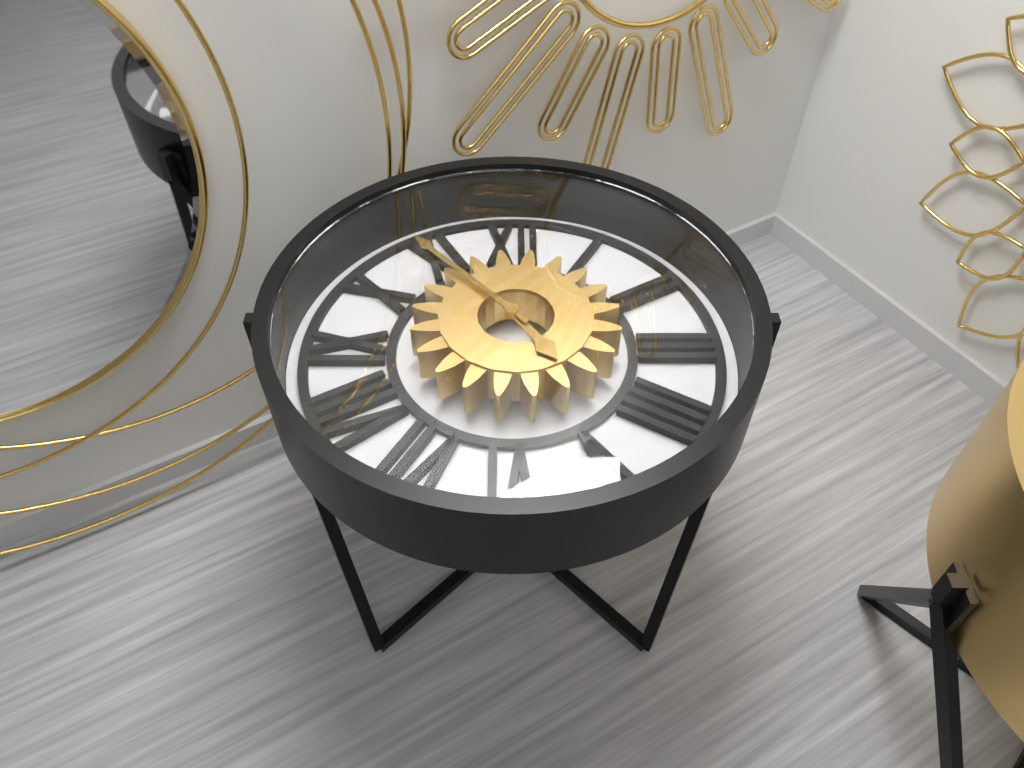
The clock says 4,53
